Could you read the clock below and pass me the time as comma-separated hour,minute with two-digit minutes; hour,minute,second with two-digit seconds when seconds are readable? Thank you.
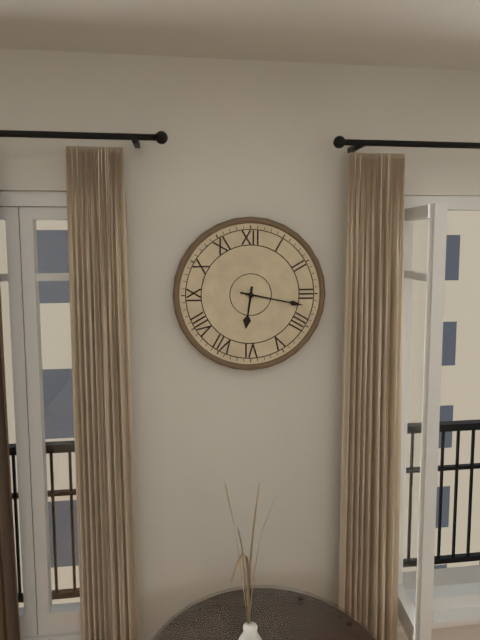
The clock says 6,17
